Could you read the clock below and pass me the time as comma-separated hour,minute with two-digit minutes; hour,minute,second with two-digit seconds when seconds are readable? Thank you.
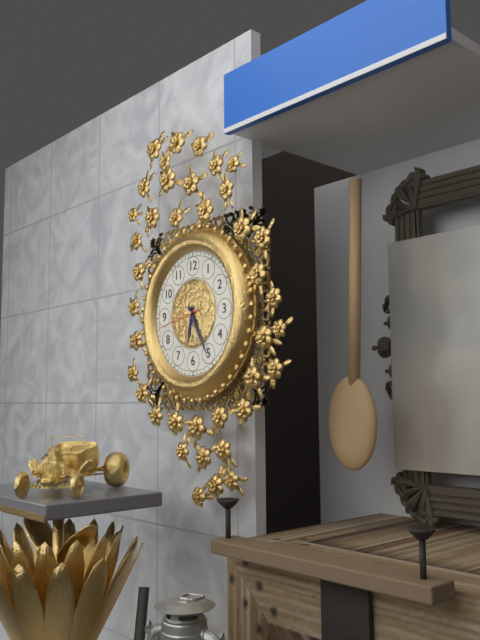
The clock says 6,25
